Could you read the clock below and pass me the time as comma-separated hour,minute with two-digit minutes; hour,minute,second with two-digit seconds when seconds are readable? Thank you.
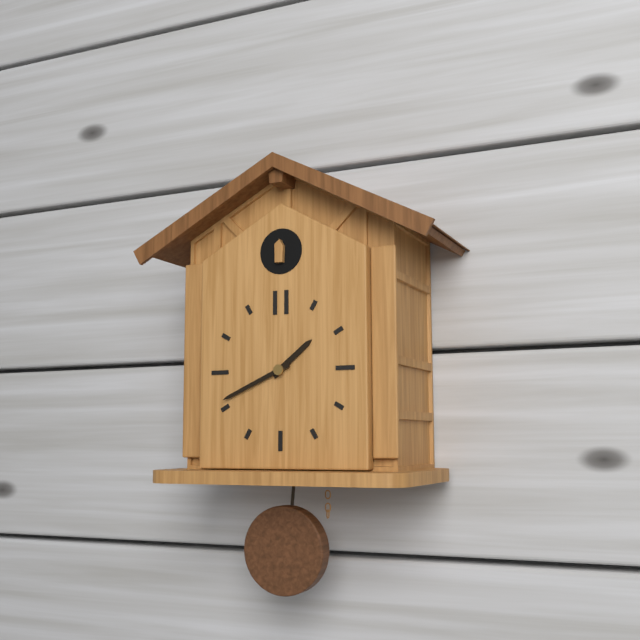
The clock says 1,41
